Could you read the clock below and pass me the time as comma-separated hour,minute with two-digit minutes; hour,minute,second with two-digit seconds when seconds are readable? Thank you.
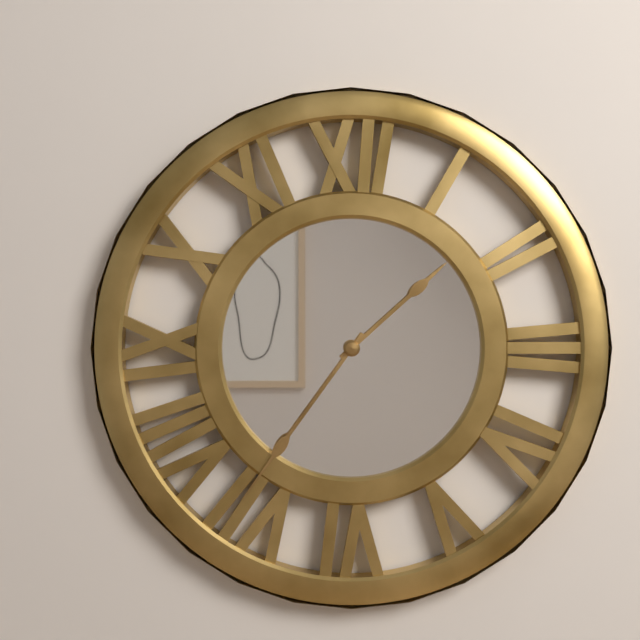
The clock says 1,36
